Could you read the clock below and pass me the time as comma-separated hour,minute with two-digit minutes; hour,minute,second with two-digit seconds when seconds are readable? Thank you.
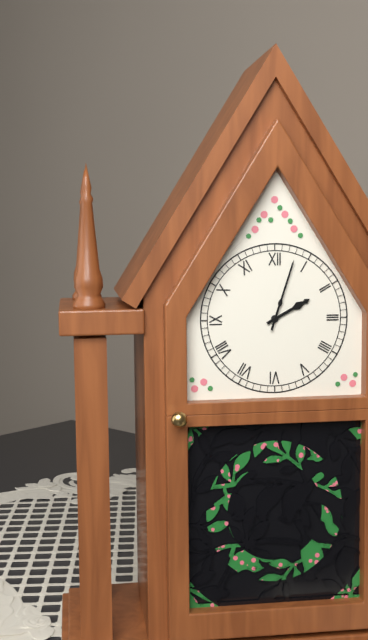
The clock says 2,03
